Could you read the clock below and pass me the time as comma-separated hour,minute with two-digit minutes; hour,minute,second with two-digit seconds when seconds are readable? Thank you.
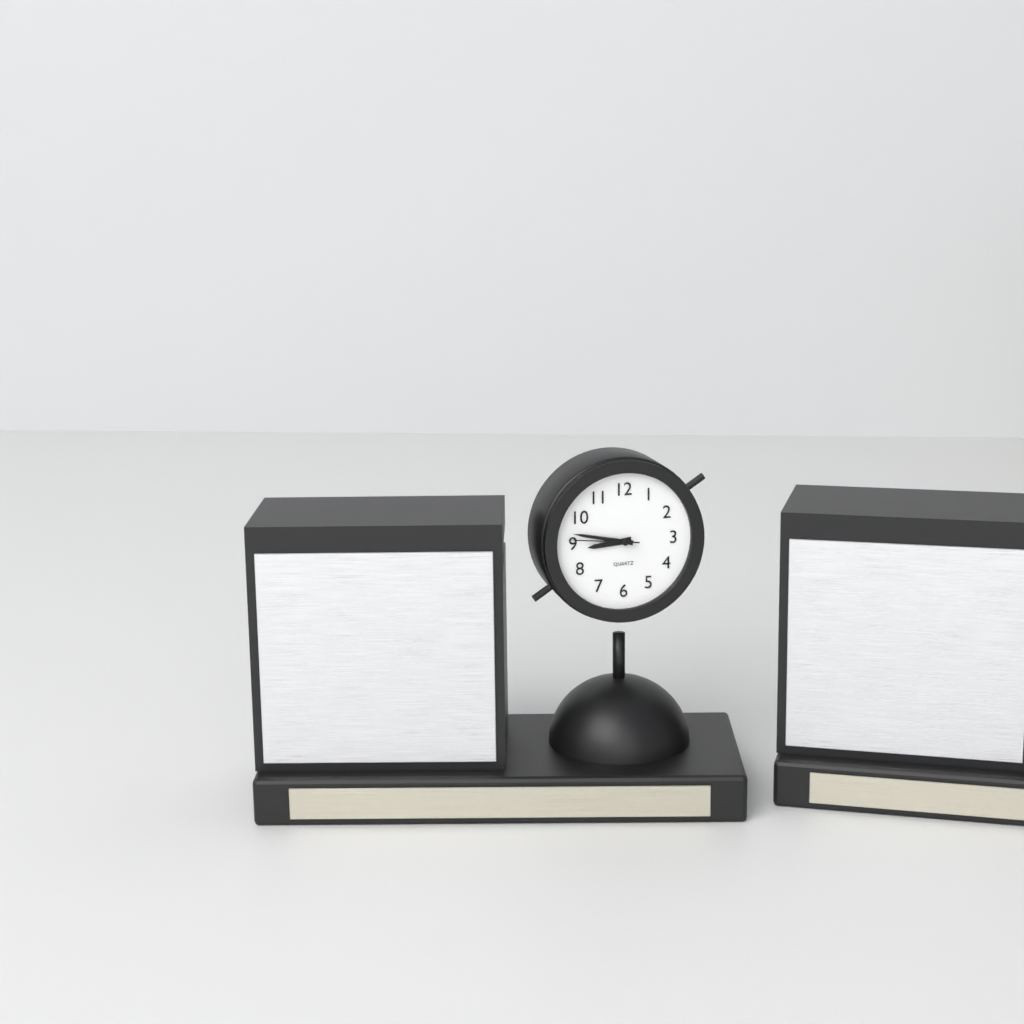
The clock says 8,47,46
